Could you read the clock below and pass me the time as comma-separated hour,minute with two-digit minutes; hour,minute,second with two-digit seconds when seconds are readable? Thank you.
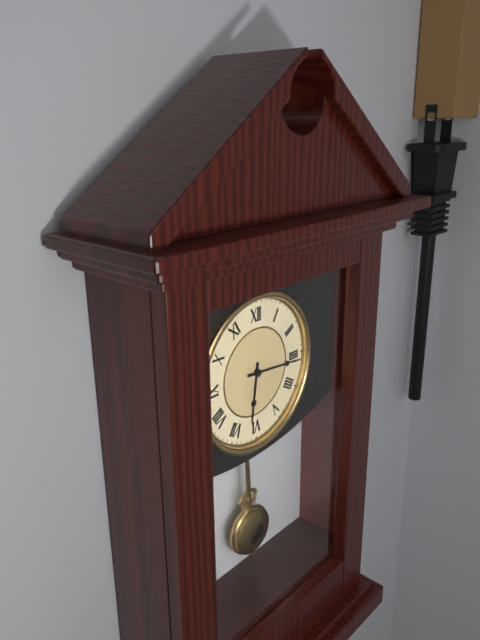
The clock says 6,16
